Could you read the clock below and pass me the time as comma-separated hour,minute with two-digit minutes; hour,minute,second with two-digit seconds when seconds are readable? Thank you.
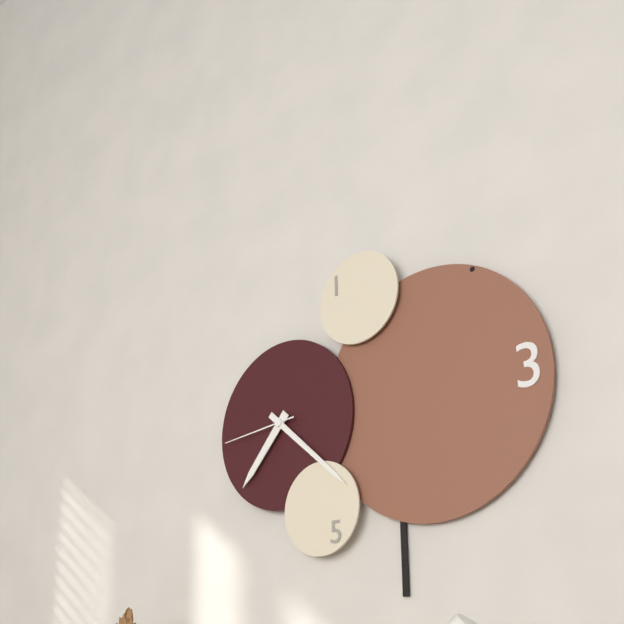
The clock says 7,22,44
